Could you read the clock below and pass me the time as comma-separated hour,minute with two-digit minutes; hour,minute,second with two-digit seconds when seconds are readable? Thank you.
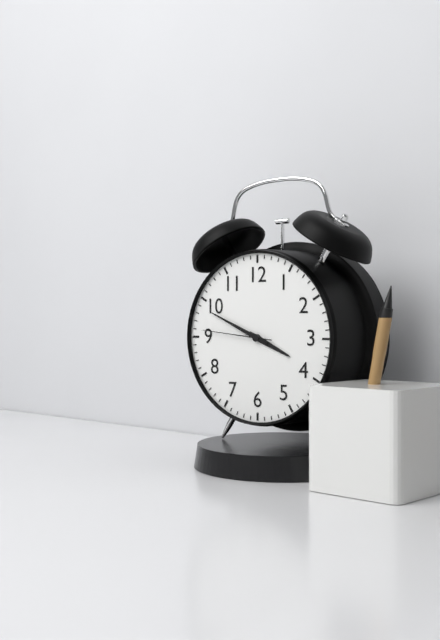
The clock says 3,49,46
